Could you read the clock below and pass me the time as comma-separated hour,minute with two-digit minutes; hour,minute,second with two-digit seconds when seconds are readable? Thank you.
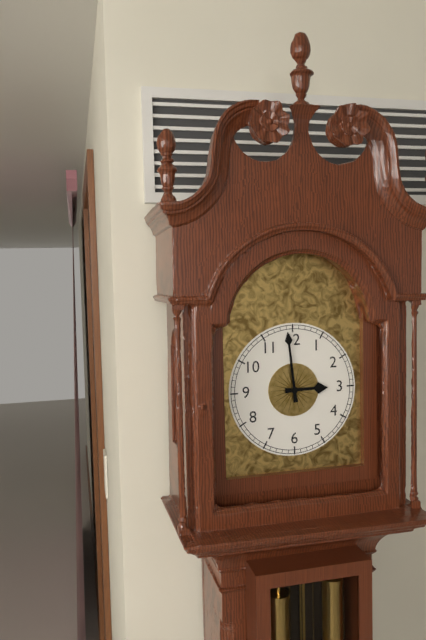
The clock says 2,59
